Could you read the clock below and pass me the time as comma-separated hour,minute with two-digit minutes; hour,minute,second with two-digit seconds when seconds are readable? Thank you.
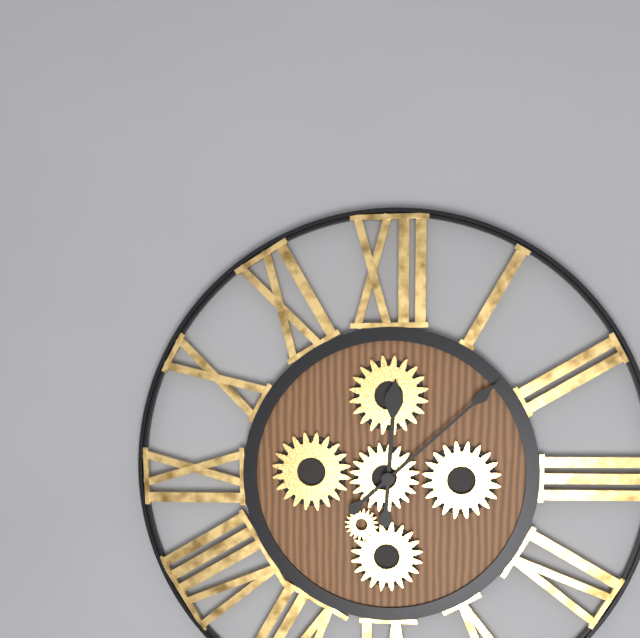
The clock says 12,08
